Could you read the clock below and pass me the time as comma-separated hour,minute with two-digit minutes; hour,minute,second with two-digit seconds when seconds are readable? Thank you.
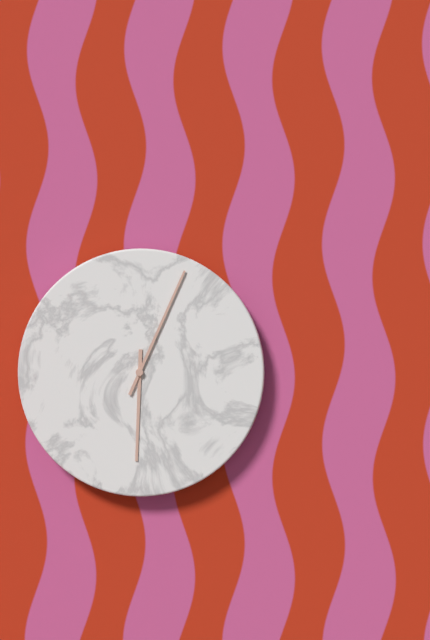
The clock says 6,04
